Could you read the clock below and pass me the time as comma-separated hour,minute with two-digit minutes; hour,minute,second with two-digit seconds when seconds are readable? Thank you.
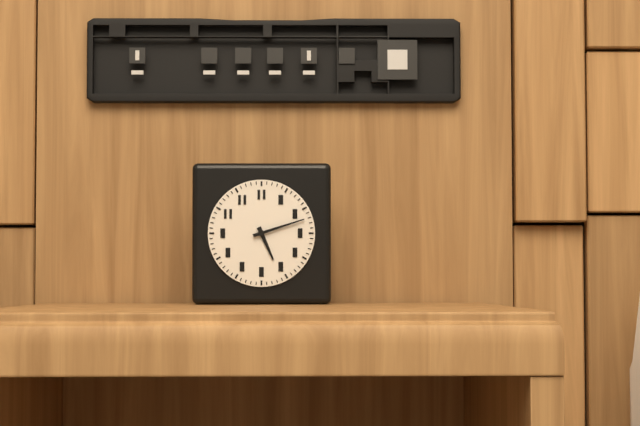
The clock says 5,12
